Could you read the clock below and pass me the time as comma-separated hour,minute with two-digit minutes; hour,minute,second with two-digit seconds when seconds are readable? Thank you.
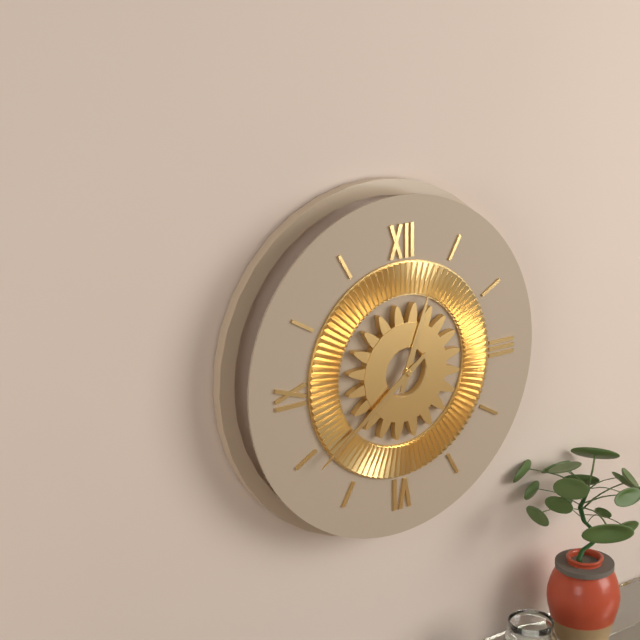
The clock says 12,39
